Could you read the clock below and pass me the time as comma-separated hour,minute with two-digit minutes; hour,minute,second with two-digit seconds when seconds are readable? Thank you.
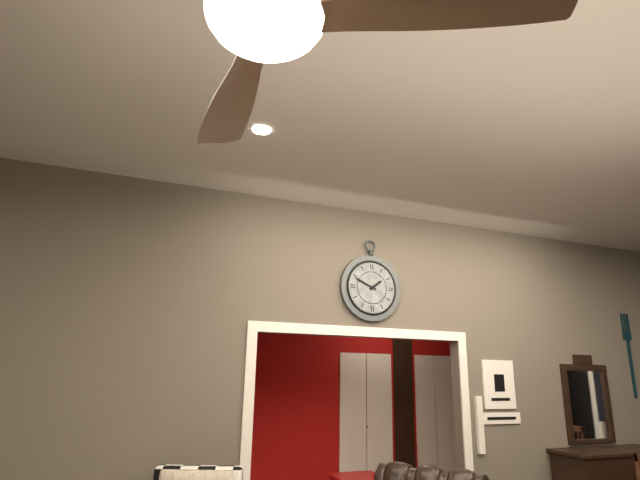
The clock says 1,49
